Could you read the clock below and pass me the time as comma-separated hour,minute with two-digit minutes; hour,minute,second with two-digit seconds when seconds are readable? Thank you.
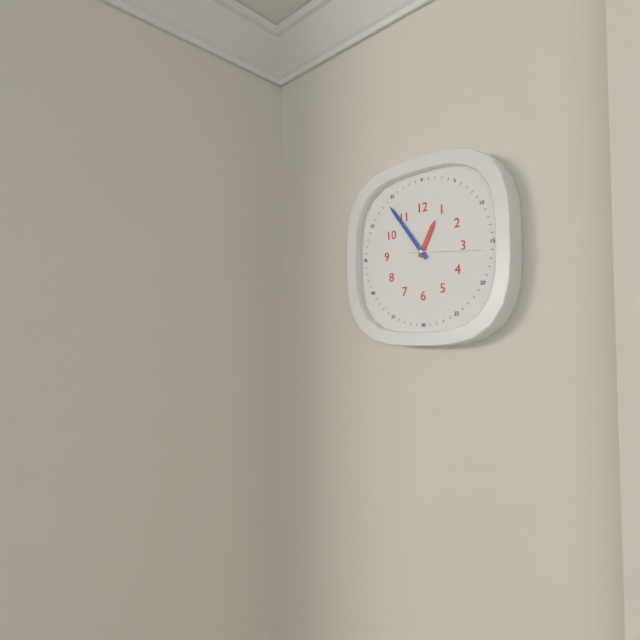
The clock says 12,54,16
